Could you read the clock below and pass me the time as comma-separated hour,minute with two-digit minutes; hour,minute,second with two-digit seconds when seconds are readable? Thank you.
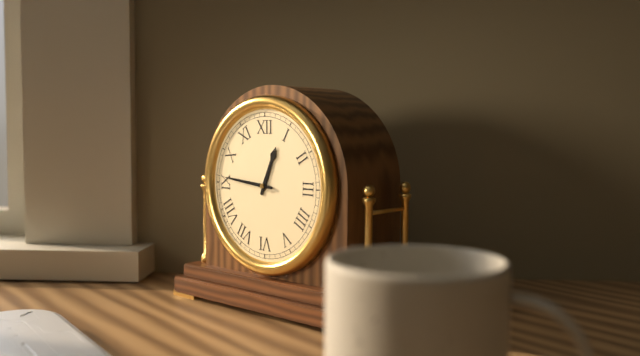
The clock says 12,46
